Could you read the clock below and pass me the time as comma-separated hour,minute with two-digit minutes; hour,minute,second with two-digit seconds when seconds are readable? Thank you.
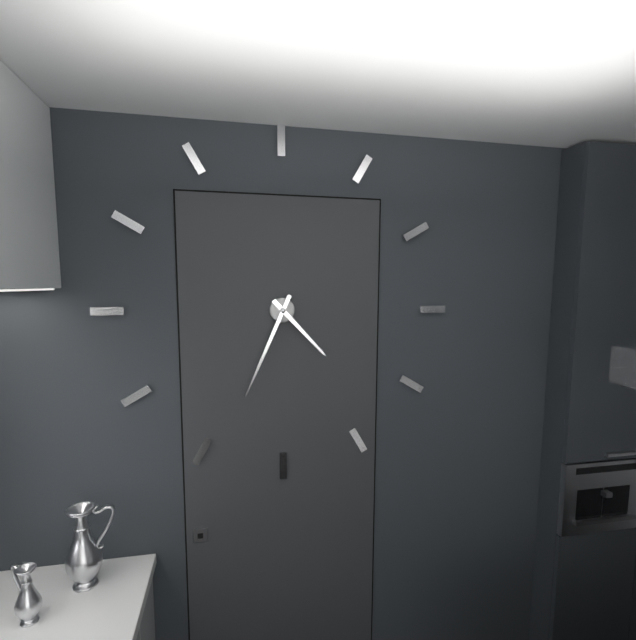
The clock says 4,34
